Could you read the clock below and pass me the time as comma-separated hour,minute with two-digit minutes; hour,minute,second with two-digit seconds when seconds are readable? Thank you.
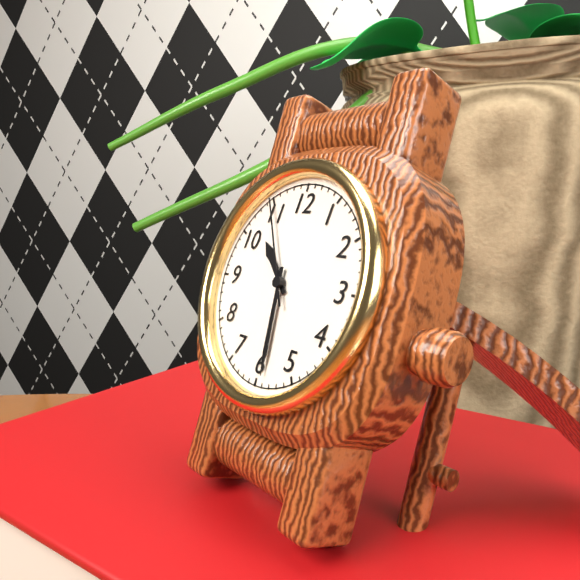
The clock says 10,29,55
